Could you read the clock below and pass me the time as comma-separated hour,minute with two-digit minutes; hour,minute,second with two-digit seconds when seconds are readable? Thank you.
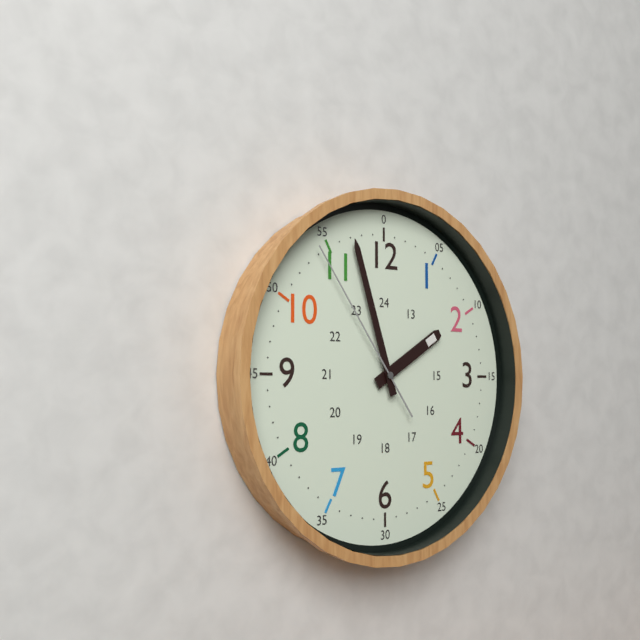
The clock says 1,57,54
